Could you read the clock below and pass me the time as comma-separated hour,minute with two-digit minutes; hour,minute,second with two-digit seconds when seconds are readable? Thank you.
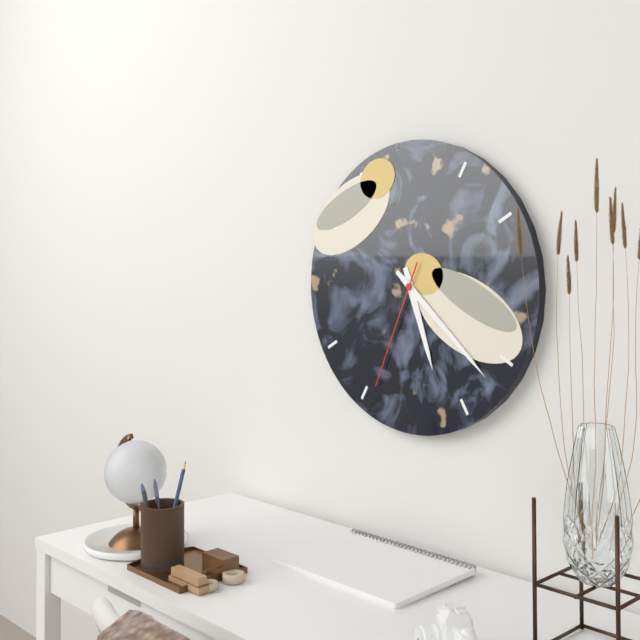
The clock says 5,22,34
